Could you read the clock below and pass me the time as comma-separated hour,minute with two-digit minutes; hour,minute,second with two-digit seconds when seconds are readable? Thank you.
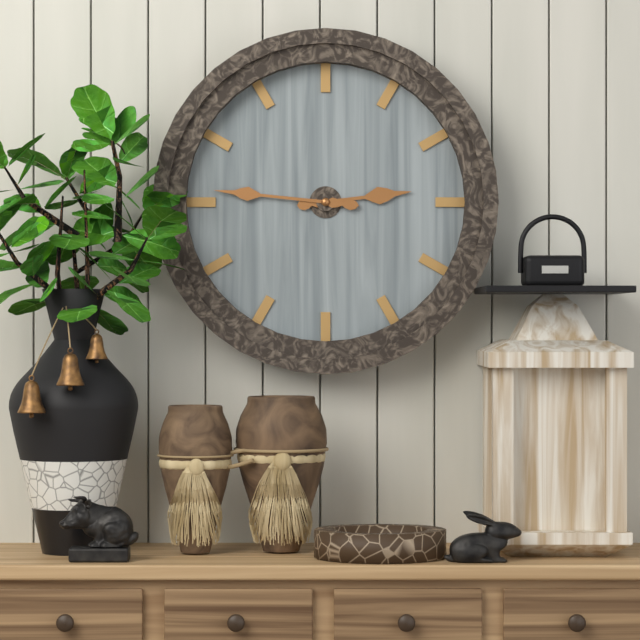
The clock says 2,46
